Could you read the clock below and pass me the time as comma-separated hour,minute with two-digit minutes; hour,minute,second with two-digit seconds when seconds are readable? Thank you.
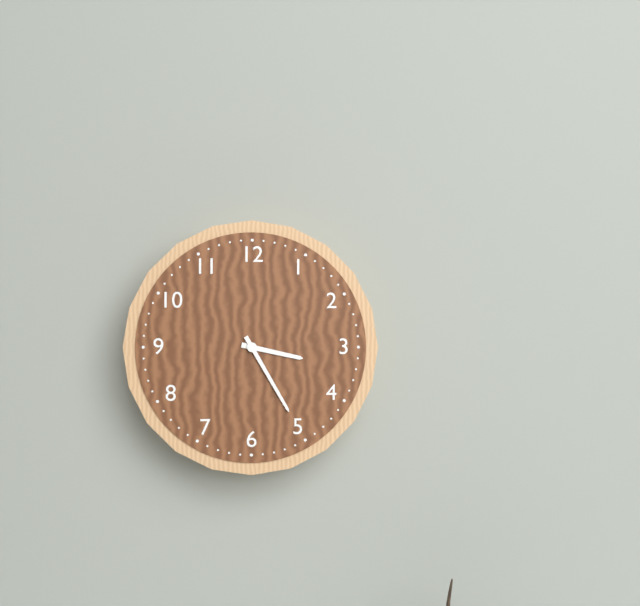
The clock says 3,25
